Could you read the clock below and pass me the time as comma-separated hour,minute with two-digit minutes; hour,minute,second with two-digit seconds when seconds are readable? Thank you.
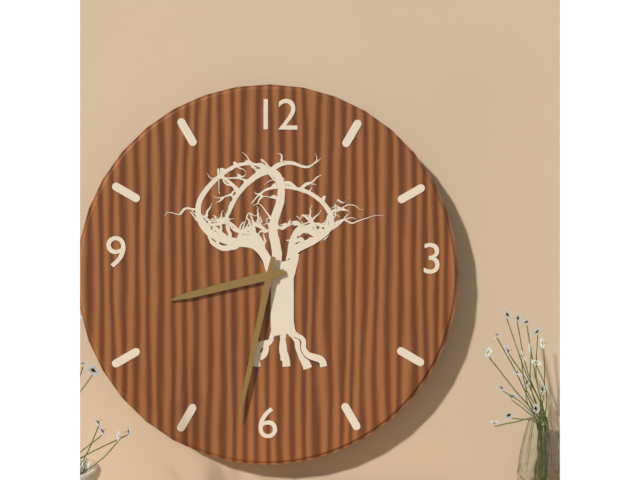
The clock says 8,32
